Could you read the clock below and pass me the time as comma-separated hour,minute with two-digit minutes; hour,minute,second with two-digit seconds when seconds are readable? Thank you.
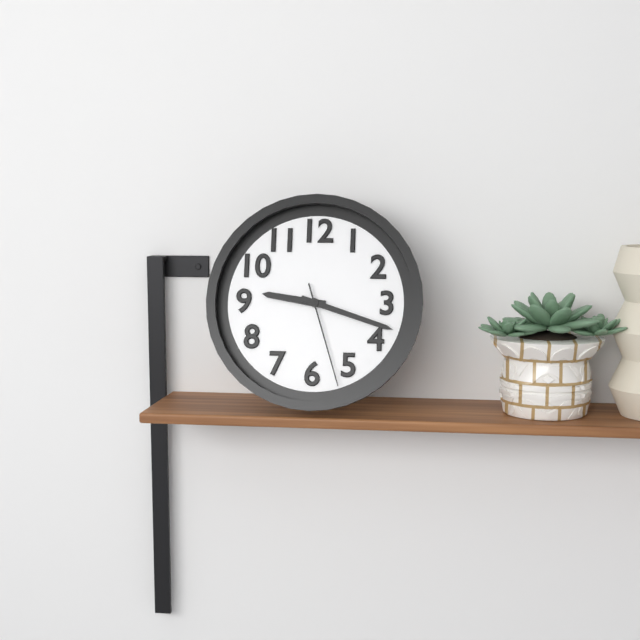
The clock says 9,18,27
